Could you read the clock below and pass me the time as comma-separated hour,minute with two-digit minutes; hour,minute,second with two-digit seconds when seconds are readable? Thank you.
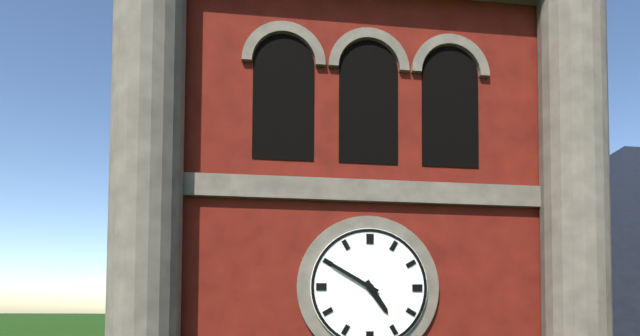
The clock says 4,50
